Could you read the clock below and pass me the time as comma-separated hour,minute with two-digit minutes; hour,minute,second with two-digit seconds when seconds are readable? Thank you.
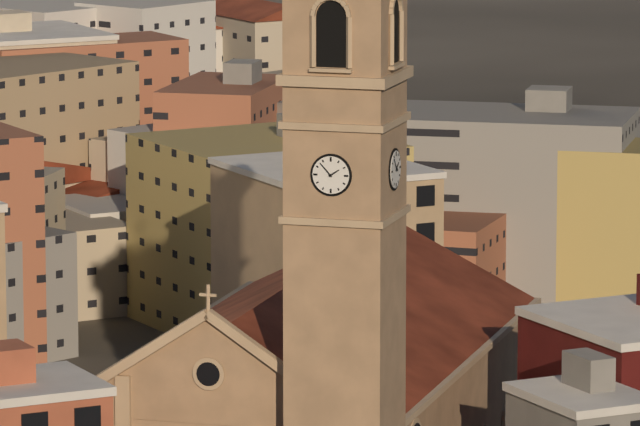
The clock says 1,53
